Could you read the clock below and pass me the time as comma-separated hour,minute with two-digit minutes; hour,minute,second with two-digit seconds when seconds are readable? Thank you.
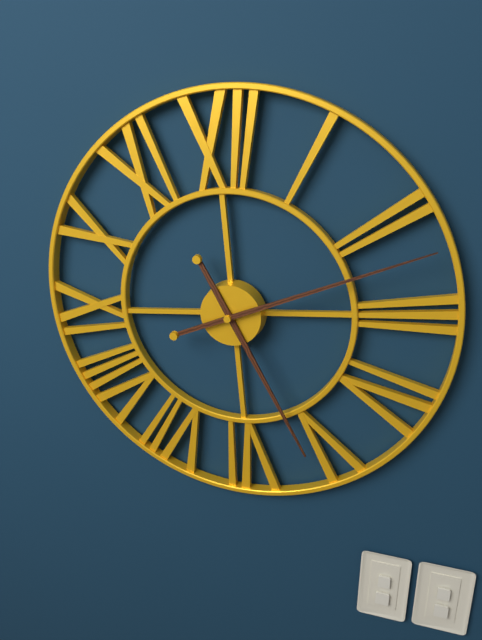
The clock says 5,12
